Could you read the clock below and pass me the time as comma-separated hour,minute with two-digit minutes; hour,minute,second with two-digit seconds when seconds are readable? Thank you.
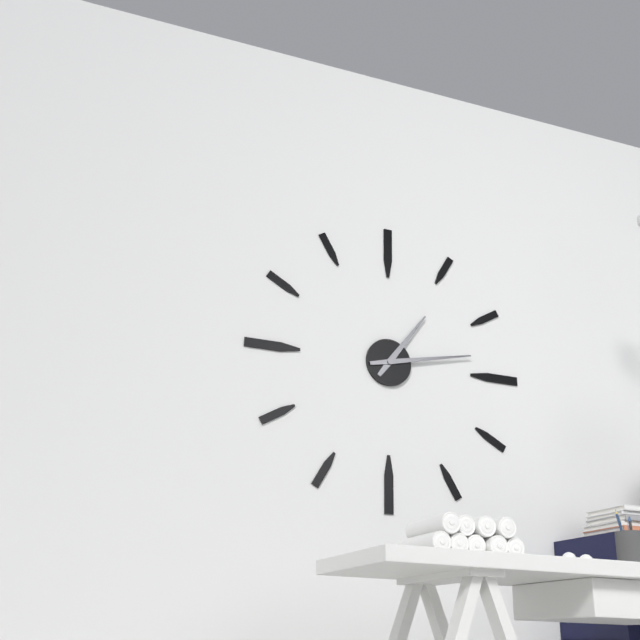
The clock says 1,13
